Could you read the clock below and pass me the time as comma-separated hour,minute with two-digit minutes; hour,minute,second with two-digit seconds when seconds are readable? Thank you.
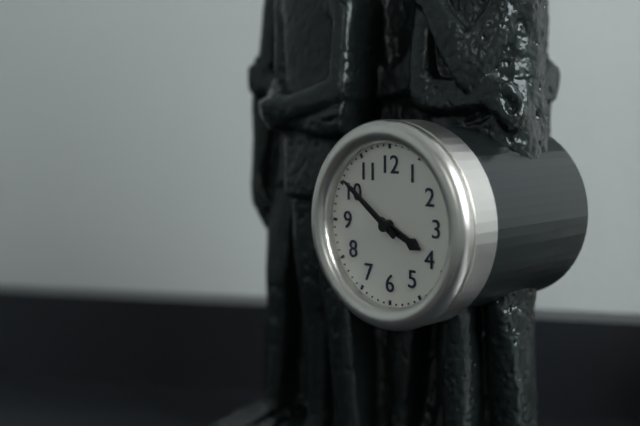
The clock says 3,51
